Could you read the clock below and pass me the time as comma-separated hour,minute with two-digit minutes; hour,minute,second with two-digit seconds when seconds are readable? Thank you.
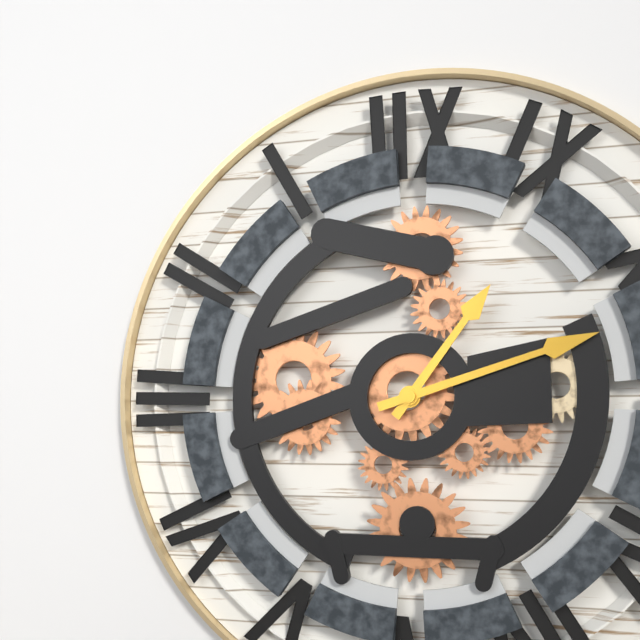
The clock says 1,12
